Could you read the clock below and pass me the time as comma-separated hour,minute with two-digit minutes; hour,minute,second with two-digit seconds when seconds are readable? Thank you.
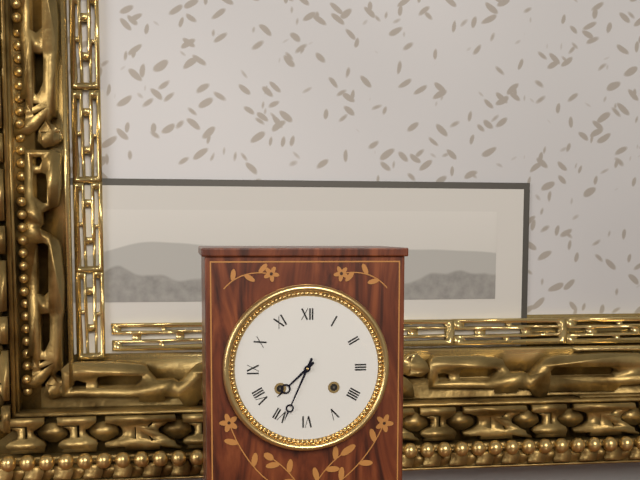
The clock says 7,34
